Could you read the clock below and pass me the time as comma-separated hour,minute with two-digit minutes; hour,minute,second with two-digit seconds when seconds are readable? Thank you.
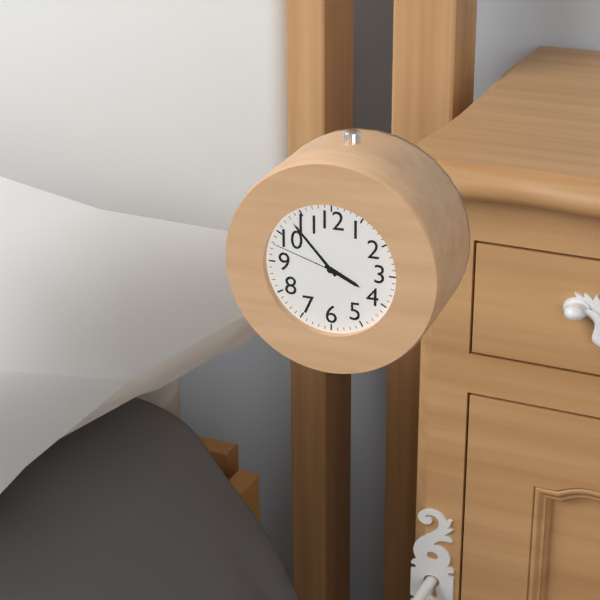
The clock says 3,53,48
